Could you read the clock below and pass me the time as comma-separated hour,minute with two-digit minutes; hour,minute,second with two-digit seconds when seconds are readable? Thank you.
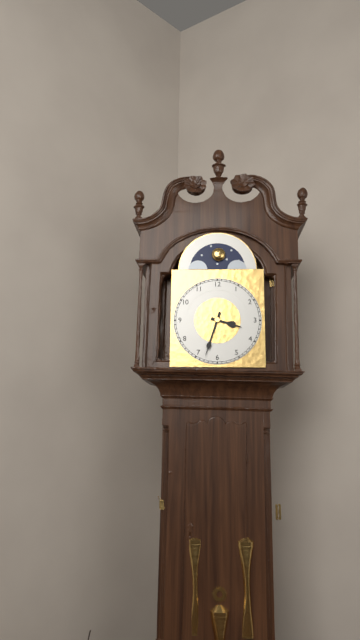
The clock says 3,33
